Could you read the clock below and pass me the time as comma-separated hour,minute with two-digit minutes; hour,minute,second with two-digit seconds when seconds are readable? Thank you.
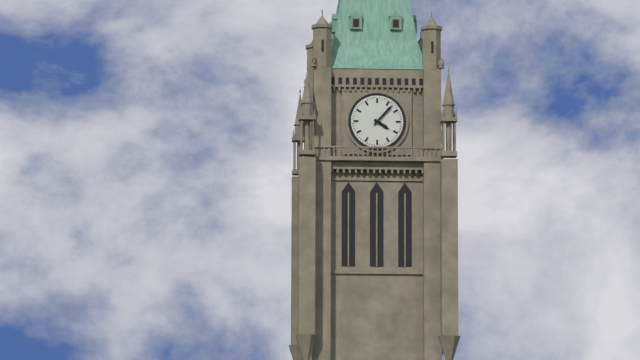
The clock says 4,07
